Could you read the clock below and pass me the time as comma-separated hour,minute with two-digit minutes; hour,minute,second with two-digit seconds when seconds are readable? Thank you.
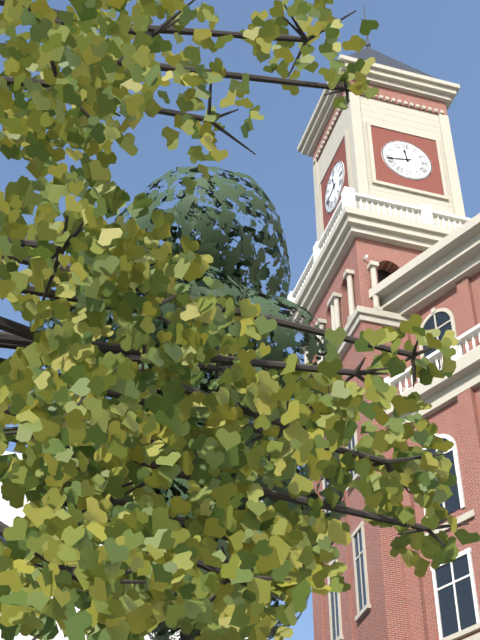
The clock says 11,43
